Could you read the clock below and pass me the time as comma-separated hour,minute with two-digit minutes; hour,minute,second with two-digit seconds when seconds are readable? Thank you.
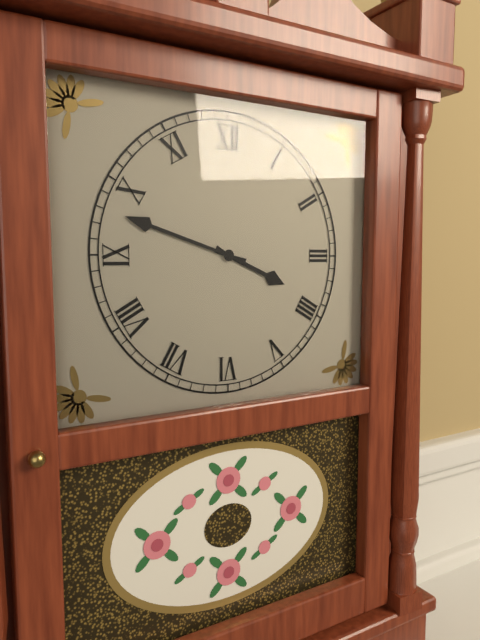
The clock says 3,48
